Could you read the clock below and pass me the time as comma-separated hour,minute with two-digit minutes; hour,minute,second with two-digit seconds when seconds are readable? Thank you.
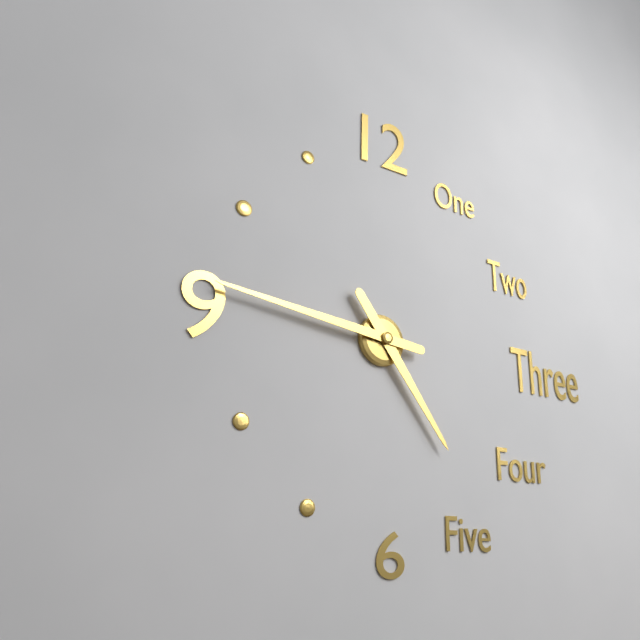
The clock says 4,46
